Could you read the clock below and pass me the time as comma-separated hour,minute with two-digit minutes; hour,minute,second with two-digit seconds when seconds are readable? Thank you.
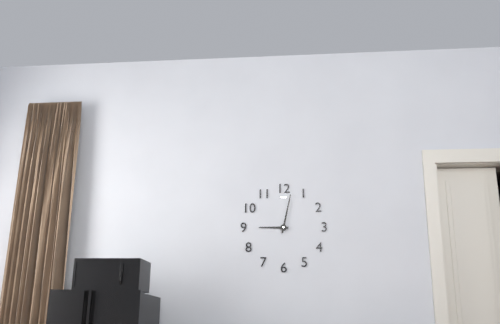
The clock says 9,02
